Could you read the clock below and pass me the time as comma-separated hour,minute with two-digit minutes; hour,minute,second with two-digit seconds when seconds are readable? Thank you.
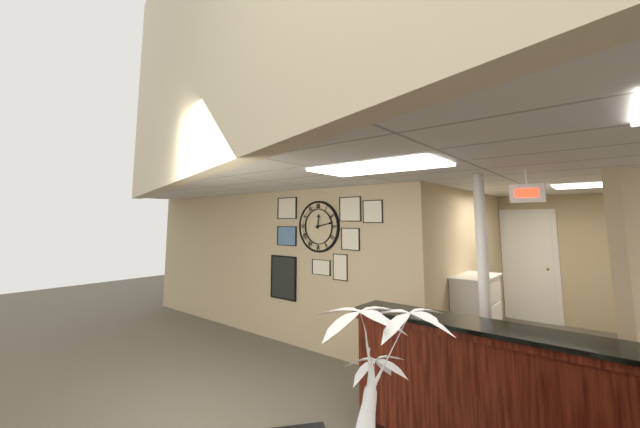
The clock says 12,13
